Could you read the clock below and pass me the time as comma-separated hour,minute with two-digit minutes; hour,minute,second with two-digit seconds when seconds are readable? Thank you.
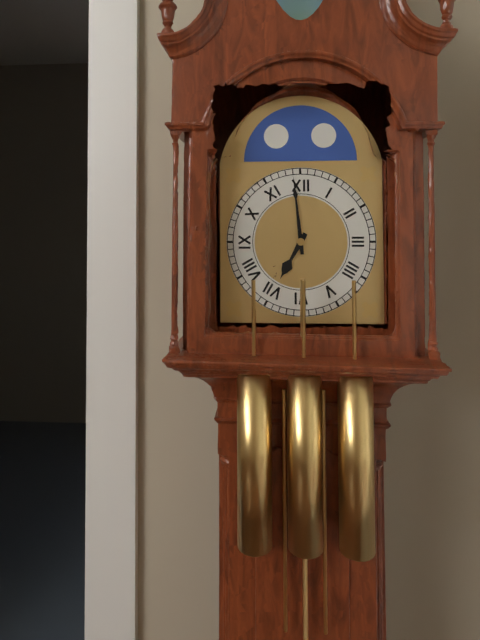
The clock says 6,59
